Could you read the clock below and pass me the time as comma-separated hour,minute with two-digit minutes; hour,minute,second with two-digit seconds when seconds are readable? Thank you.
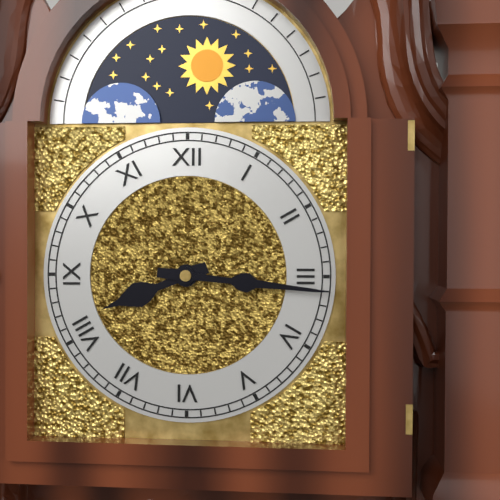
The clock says 8,16
